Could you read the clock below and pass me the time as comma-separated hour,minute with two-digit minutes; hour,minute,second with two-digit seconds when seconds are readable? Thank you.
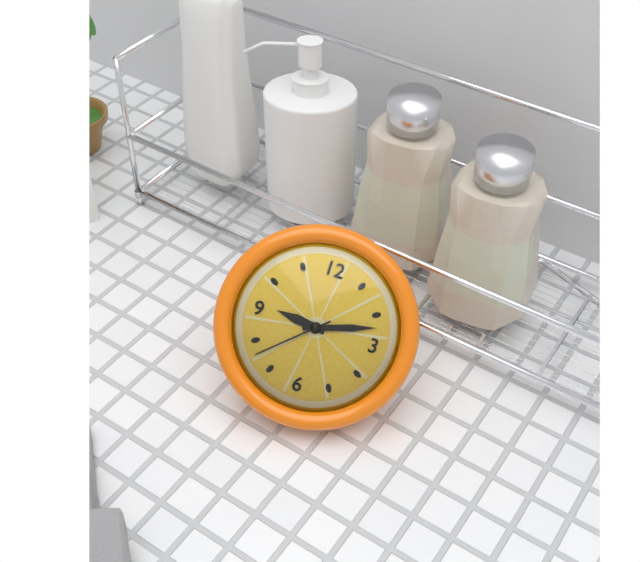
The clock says 9,12,38
